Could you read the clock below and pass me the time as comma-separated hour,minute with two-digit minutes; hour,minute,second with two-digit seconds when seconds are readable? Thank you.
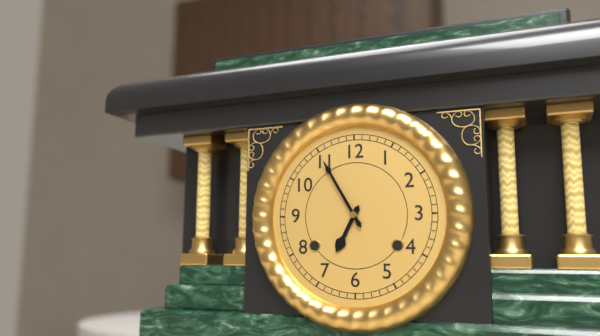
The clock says 6,55
